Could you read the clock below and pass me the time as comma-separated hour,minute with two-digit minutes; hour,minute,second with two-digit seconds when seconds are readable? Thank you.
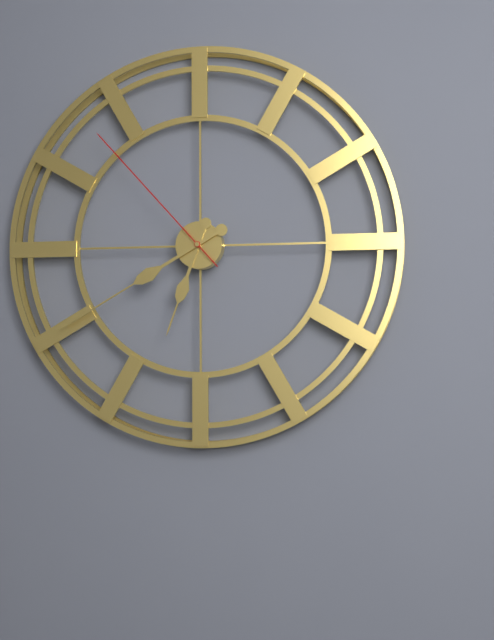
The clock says 6,40,53
